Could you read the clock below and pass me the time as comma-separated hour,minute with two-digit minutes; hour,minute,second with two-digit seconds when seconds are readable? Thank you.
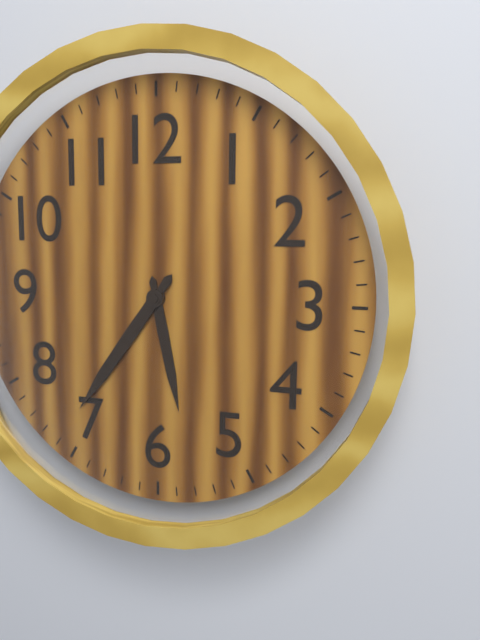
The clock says 5,36
